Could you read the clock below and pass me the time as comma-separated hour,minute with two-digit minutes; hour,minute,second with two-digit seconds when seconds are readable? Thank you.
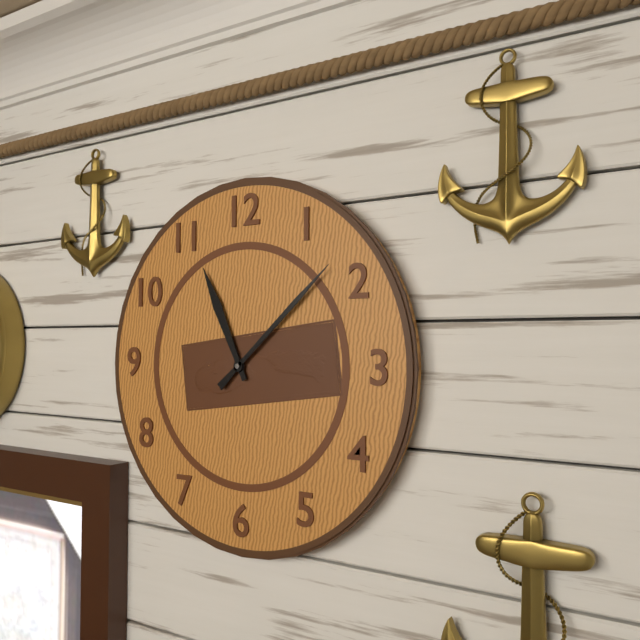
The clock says 11,08
